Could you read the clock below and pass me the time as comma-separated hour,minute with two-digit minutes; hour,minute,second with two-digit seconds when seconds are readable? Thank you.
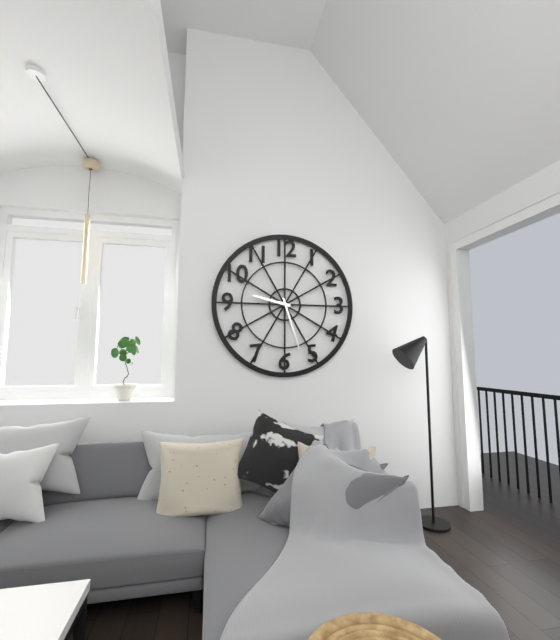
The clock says 9,27
